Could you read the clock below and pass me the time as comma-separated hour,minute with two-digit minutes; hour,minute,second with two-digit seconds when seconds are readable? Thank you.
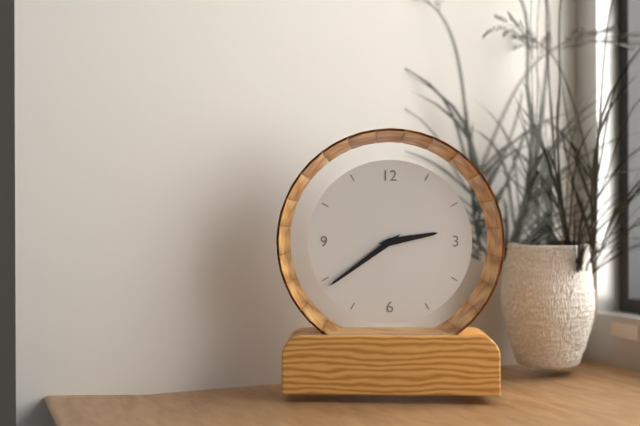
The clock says 2,39
